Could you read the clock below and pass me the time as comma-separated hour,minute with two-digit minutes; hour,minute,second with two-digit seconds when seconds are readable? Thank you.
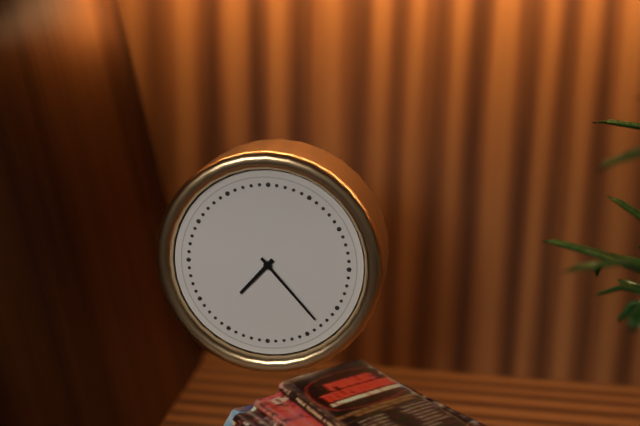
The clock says 7,23
